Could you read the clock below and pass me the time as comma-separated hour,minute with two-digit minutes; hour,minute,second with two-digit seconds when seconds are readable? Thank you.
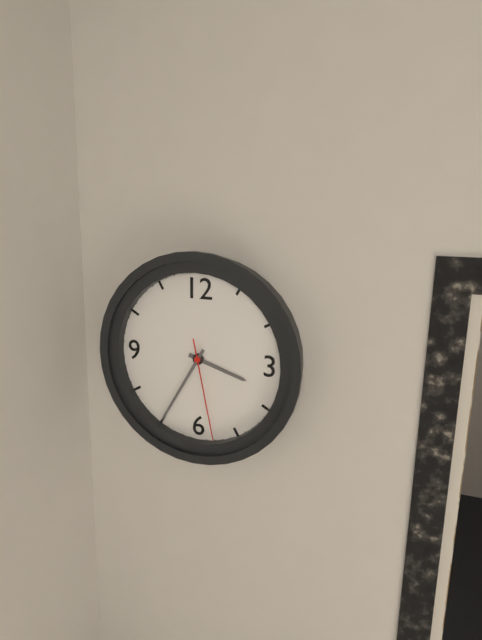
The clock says 3,35,28
